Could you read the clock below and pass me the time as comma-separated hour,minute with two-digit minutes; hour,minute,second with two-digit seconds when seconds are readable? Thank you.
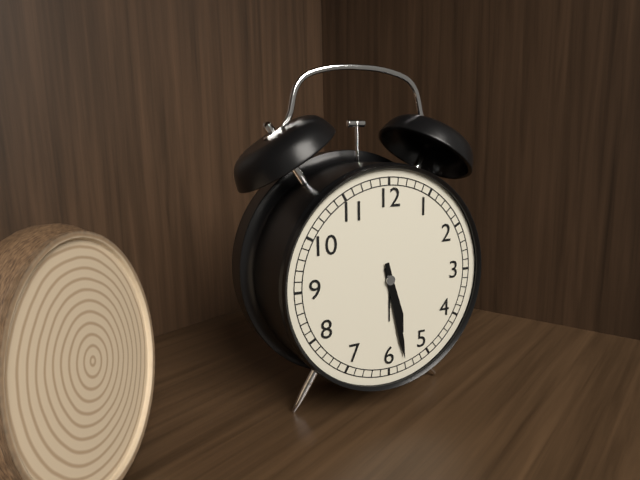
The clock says 5,28
